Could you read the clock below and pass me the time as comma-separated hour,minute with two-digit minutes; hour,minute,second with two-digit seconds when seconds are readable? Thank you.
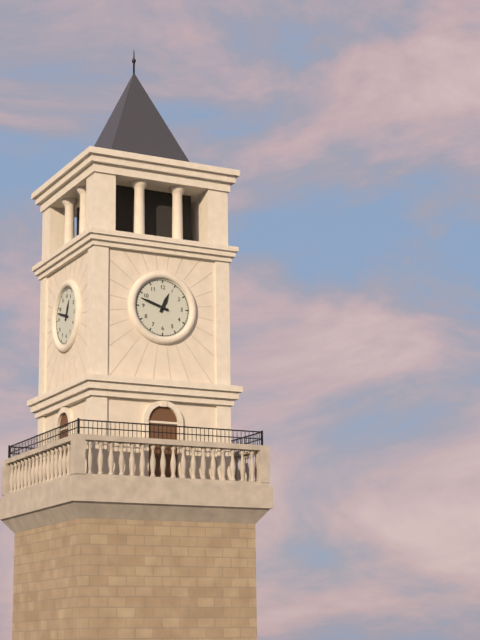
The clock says 12,48
